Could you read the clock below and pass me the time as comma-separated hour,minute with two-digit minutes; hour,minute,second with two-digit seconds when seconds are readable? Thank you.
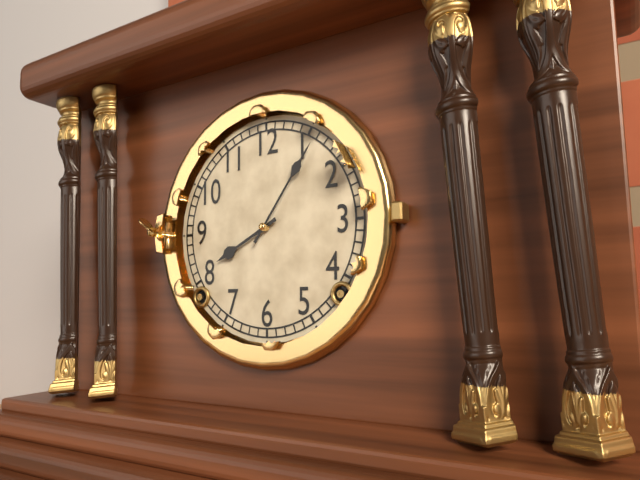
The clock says 8,06
